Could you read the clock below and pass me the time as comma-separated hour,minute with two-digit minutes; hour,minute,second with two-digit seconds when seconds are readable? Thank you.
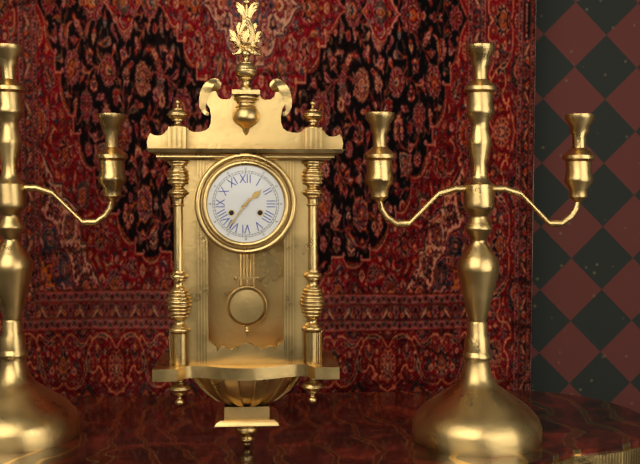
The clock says 1,36
